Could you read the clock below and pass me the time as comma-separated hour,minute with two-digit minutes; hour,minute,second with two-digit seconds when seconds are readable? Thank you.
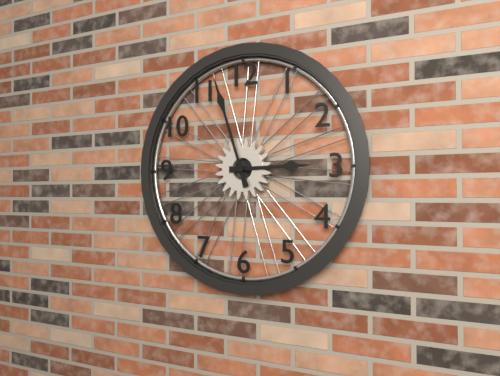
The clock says 2,57
